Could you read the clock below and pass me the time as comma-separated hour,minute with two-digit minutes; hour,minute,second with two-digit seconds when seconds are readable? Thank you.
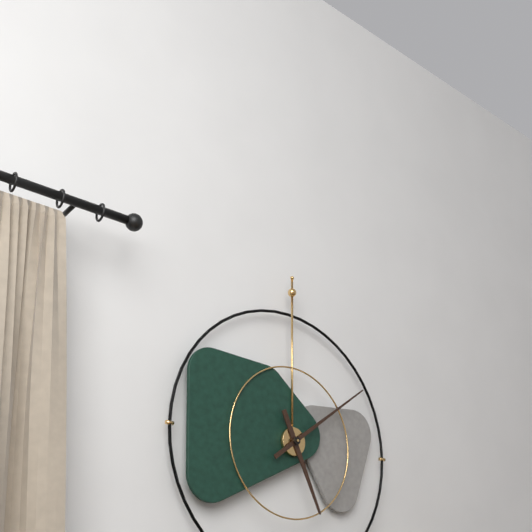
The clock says 5,09
